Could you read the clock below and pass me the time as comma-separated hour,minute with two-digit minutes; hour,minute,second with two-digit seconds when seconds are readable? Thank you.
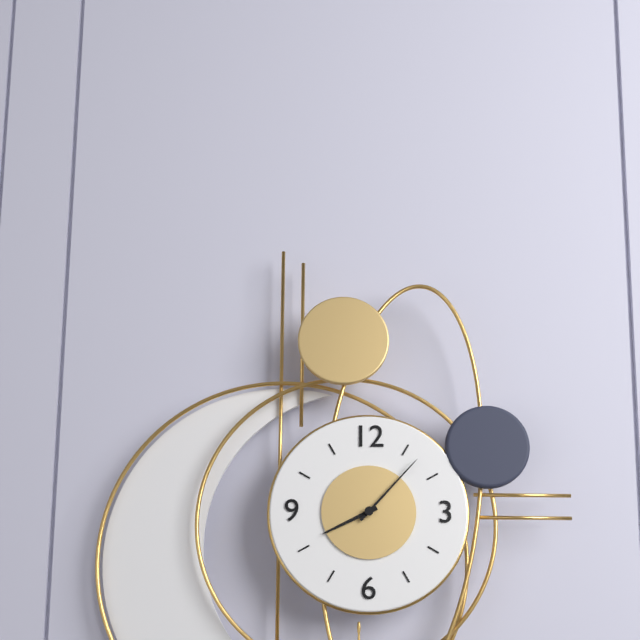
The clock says 8,07
